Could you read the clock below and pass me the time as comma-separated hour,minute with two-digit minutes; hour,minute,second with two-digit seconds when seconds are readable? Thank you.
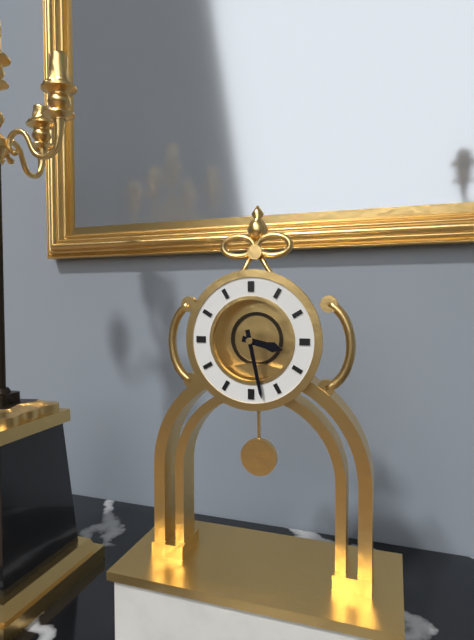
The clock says 3,28
